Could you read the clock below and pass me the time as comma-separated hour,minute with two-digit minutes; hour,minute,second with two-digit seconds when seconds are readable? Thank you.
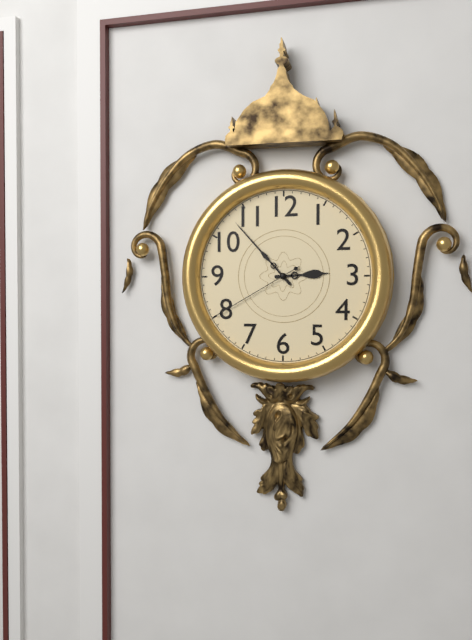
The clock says 2,53,40
